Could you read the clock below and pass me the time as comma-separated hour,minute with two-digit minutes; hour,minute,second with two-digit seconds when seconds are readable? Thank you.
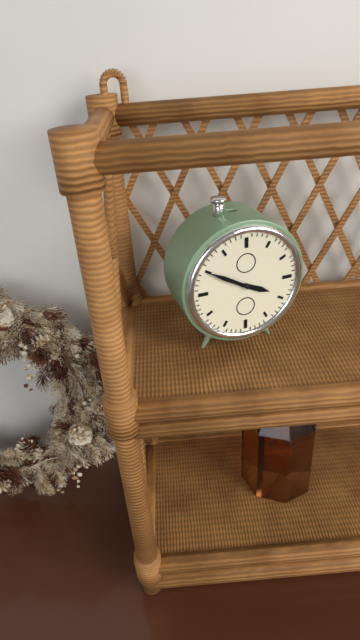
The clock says 3,50
